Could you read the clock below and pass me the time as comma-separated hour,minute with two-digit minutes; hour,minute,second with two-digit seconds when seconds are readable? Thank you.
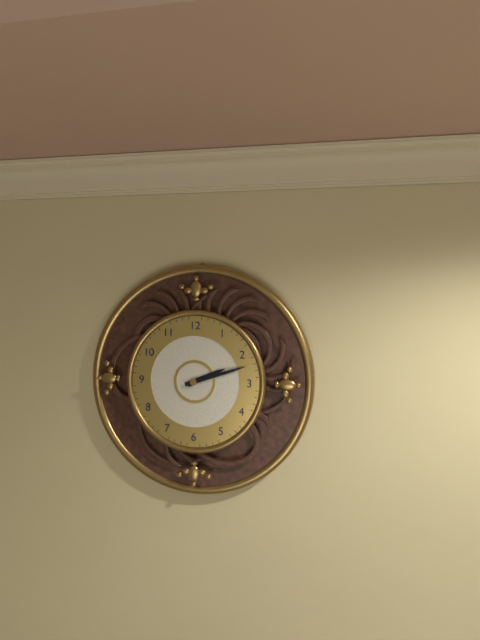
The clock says 2,12
